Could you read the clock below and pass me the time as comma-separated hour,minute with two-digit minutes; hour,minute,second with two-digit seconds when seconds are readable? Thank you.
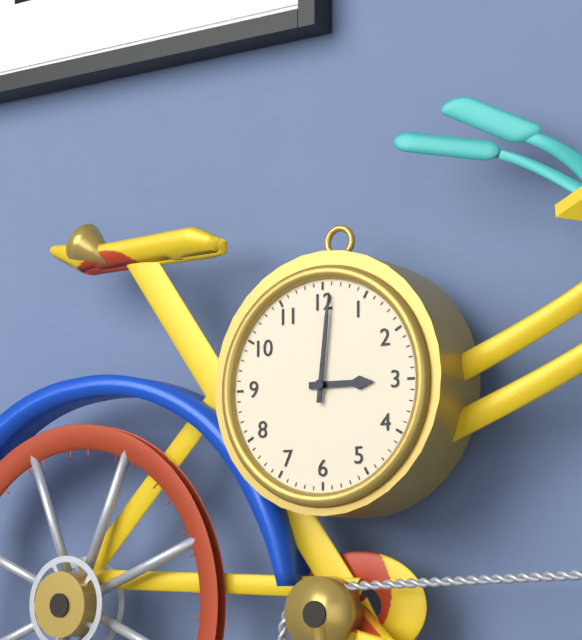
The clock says 3,01
